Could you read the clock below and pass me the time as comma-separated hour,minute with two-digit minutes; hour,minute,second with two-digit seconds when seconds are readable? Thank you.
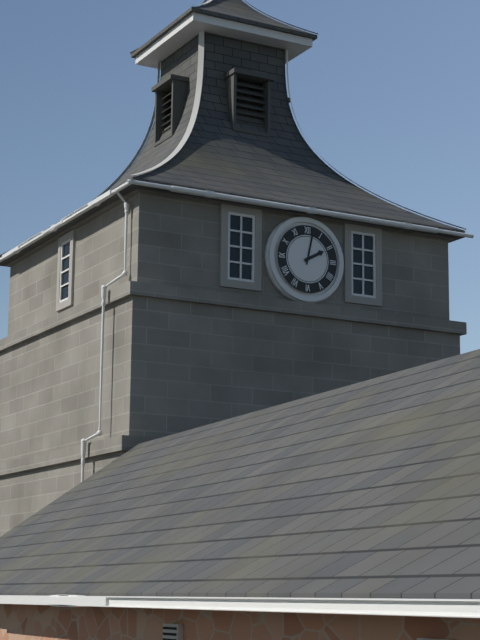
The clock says 2,02
